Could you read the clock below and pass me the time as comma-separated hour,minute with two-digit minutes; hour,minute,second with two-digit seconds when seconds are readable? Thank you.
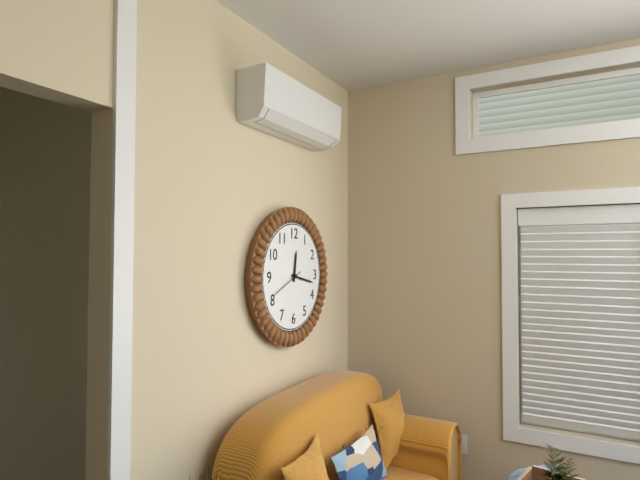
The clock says 12,17
